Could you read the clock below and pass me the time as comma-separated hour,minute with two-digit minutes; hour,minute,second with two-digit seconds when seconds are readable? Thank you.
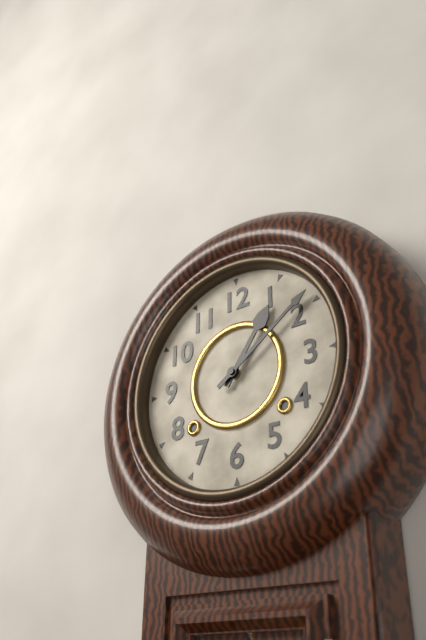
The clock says 1,09
